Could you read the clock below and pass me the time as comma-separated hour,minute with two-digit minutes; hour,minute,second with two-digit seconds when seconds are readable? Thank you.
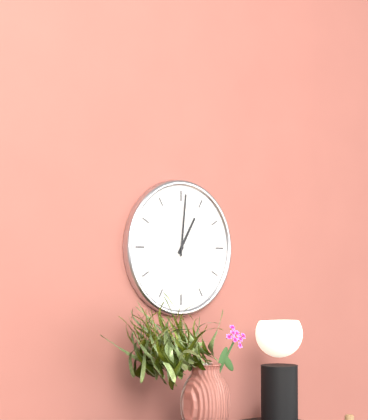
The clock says 1,01
